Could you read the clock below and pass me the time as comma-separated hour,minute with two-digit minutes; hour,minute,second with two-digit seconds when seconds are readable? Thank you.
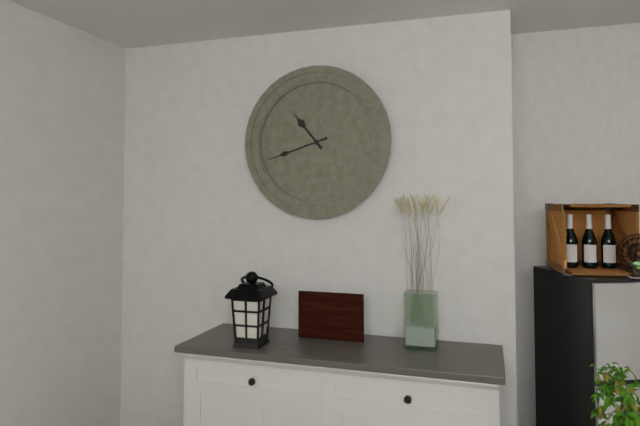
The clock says 10,42
